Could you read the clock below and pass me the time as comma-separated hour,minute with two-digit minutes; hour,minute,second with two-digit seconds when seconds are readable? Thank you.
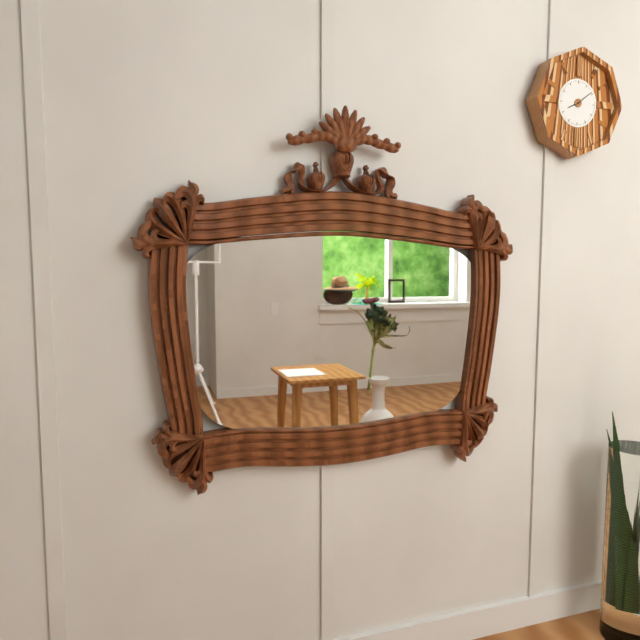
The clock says 8,09
